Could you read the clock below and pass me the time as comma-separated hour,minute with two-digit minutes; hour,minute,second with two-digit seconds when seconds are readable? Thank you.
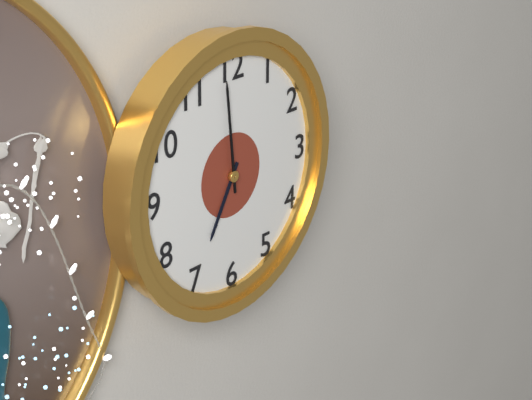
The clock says 6,59
